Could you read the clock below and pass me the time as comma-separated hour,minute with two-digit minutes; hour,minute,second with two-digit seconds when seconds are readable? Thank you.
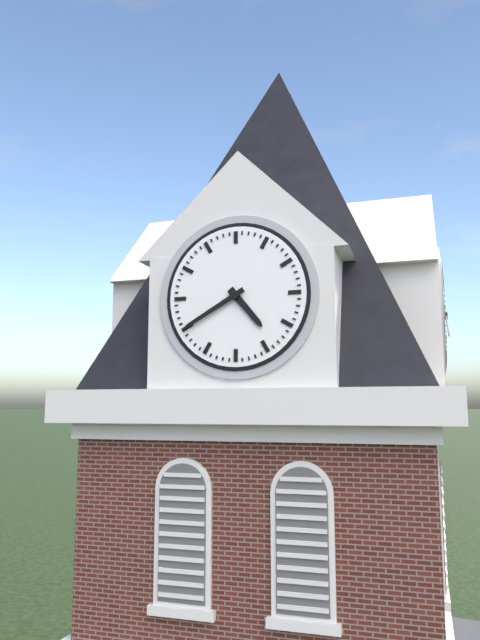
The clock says 4,40
